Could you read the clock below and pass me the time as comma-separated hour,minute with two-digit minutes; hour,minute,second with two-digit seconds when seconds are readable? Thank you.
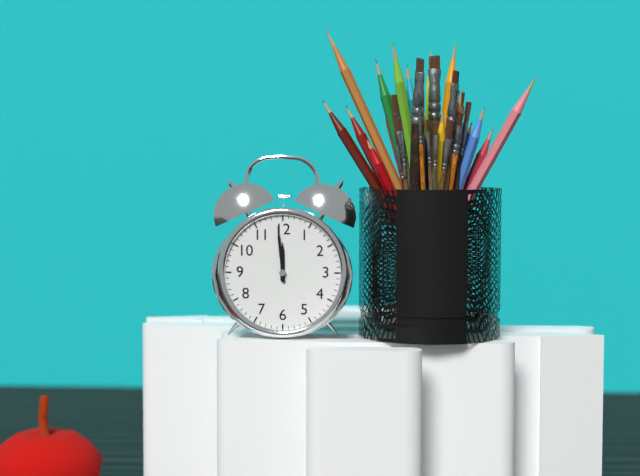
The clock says 11,59
